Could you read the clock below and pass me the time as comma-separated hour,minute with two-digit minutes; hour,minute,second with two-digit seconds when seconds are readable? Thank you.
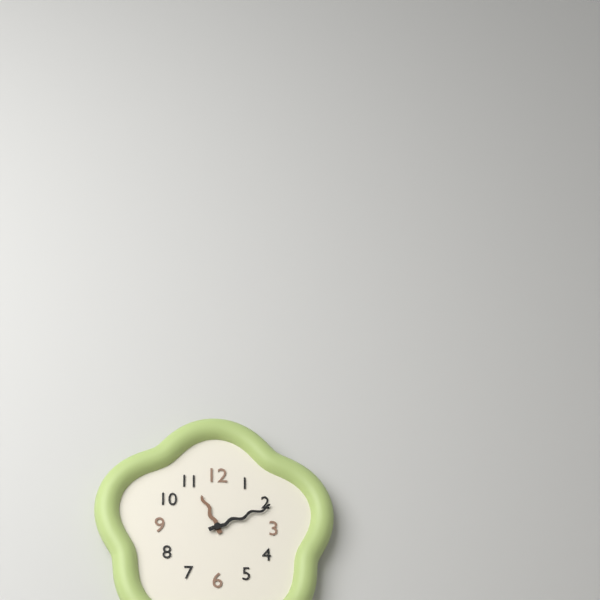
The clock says 11,11
